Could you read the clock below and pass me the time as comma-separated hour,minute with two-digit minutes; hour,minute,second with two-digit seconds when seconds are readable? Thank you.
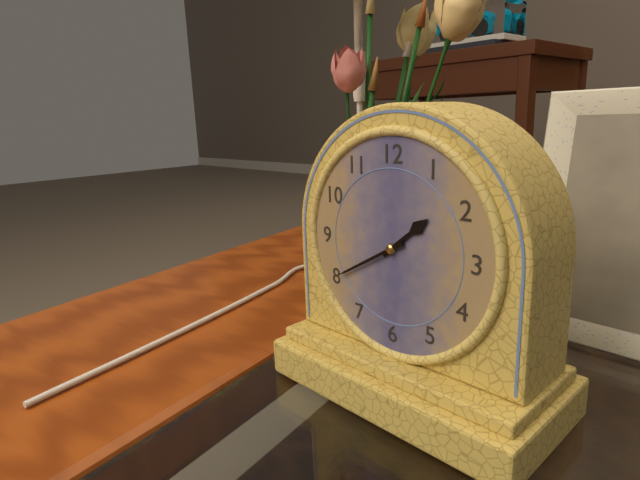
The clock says 1,40
